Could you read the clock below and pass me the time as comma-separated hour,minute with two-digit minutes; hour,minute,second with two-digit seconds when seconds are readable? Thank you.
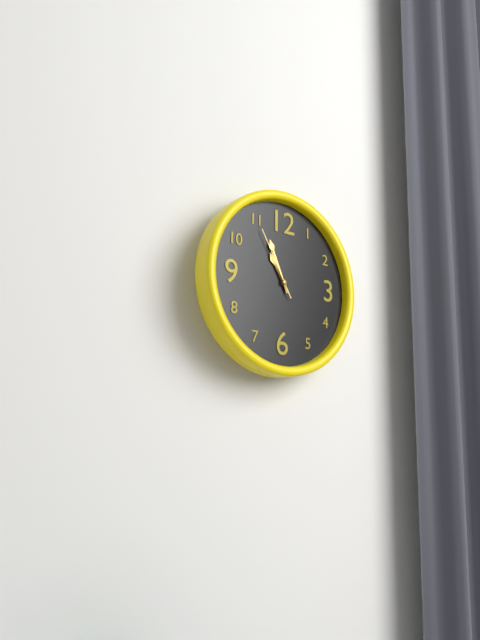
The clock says 10,56,55
